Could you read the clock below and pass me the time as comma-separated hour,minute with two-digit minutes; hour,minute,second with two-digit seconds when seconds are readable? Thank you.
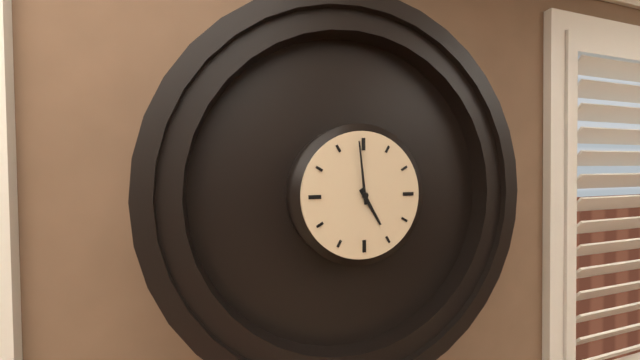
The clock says 4,59
